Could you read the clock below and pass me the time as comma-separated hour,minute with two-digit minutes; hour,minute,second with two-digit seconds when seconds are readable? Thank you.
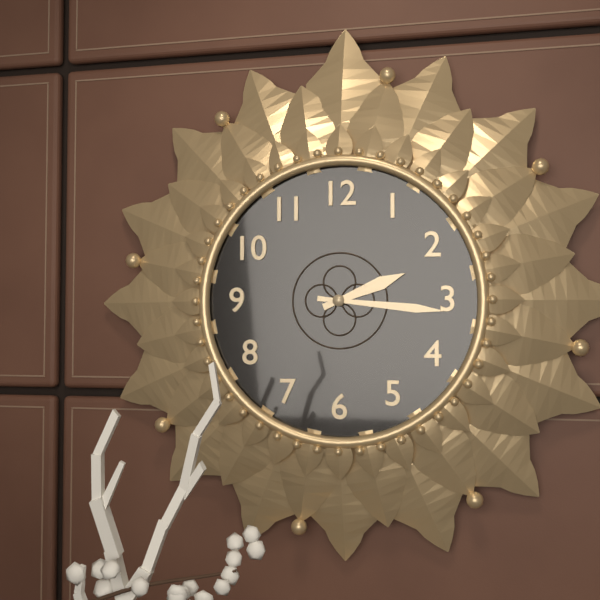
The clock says 2,16
